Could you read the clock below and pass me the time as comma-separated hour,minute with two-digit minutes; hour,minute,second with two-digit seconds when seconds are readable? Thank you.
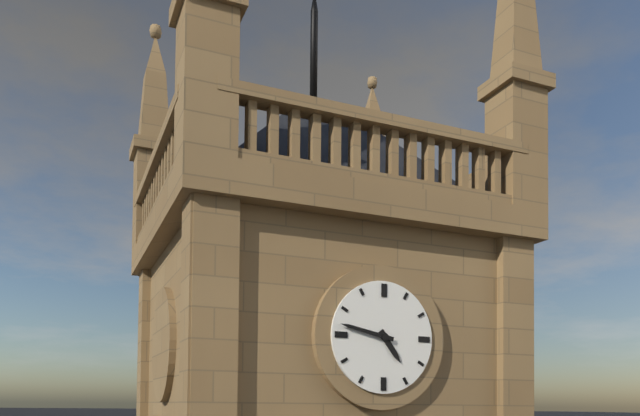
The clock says 4,47
